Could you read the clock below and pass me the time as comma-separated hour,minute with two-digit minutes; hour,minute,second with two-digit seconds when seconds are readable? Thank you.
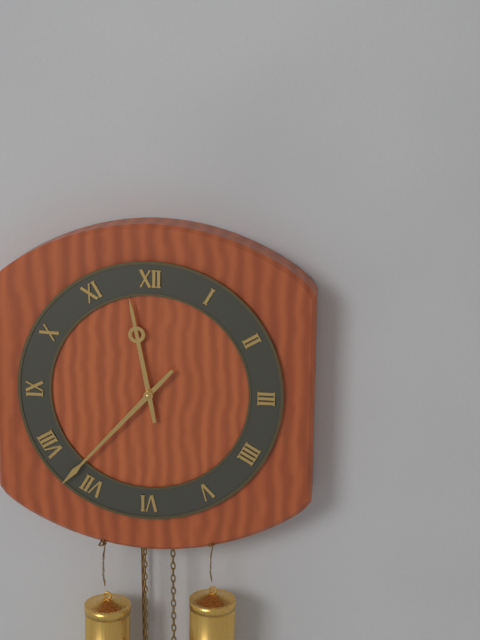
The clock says 11,37
